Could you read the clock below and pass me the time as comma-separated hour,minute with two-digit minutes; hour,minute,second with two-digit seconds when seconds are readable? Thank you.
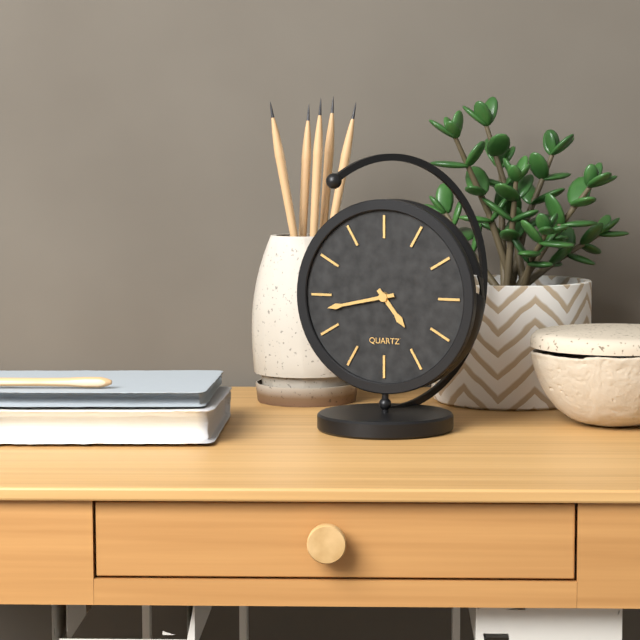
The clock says 4,43
